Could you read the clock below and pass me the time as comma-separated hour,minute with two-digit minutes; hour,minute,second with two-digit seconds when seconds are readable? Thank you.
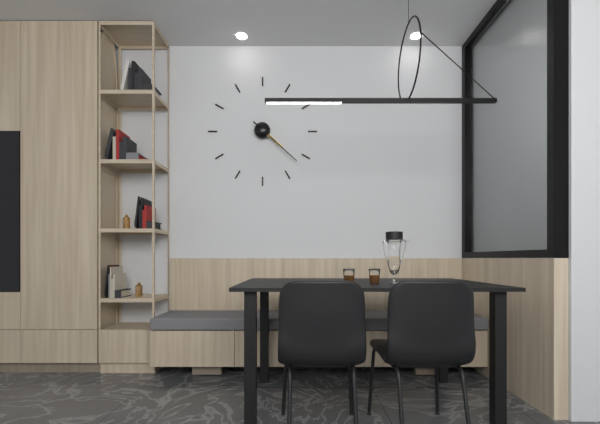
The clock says 4,22
